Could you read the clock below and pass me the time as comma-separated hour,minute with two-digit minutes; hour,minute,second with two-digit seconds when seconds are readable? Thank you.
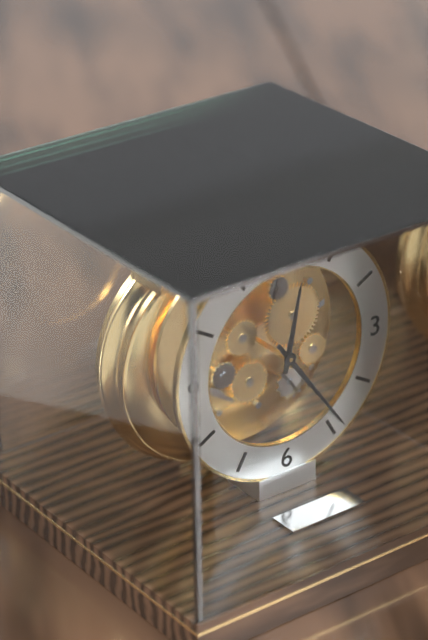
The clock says 12,24
